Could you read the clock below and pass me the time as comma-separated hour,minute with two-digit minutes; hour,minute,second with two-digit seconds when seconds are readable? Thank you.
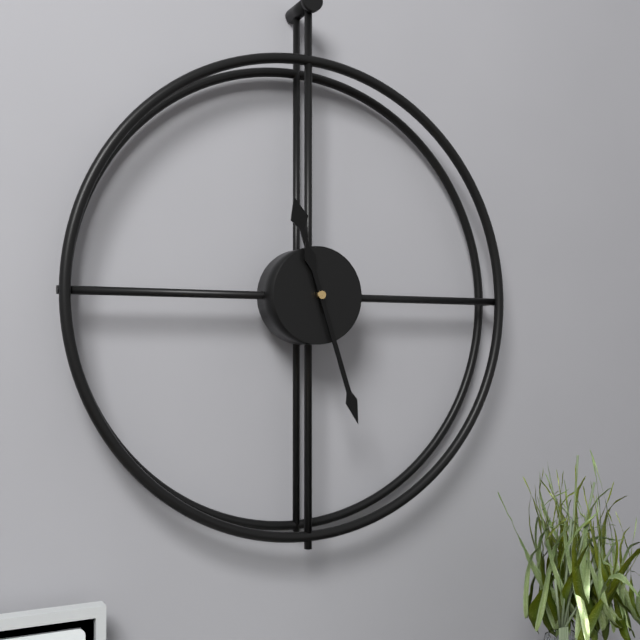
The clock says 11,27
